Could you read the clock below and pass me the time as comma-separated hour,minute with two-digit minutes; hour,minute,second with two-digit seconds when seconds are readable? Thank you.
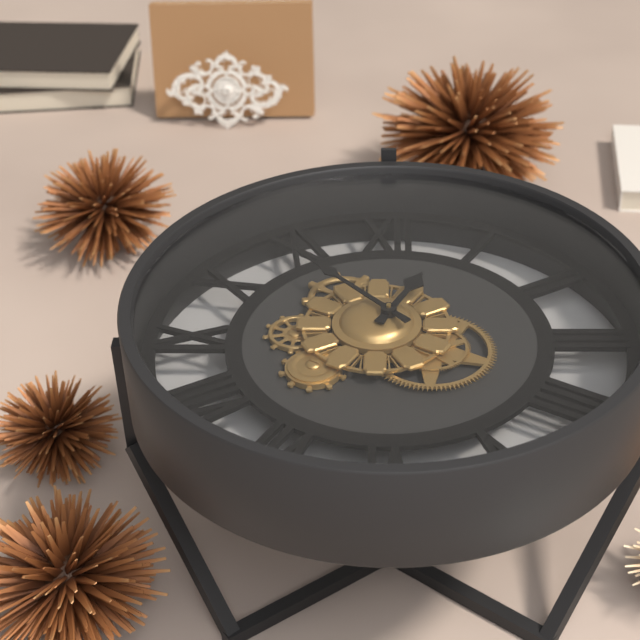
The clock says 12,53
